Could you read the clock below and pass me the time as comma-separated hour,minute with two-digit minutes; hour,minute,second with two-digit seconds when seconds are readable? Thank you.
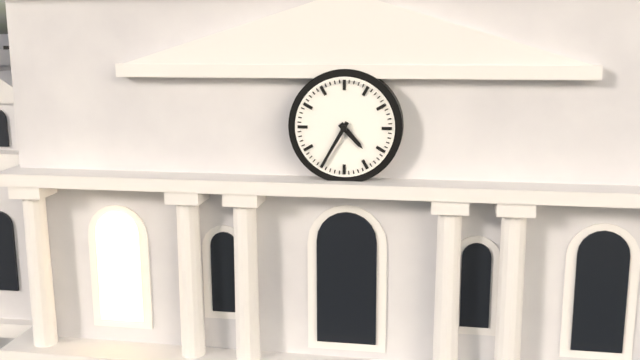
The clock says 4,35
